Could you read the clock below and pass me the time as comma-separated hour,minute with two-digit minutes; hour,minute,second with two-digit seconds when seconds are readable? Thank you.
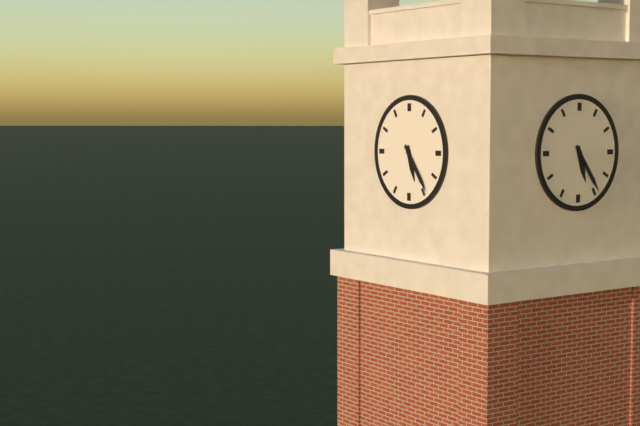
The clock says 5,24
